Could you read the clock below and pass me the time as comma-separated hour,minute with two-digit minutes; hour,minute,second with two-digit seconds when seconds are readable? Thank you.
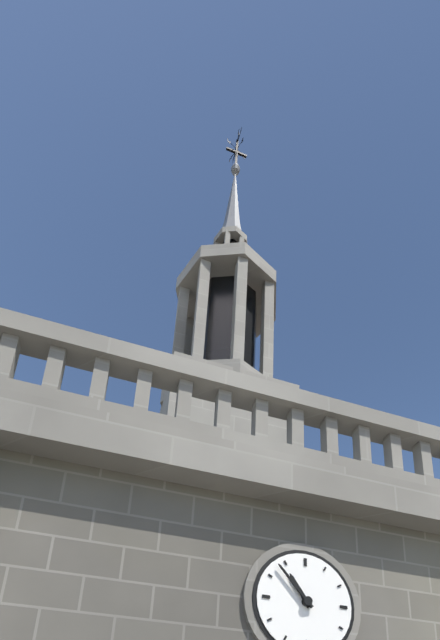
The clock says 10,53
